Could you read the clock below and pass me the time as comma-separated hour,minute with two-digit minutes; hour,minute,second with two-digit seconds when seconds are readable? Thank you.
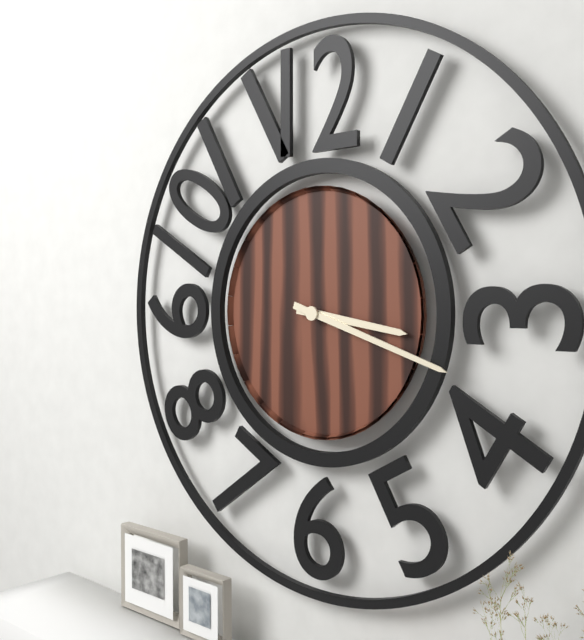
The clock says 3,18
